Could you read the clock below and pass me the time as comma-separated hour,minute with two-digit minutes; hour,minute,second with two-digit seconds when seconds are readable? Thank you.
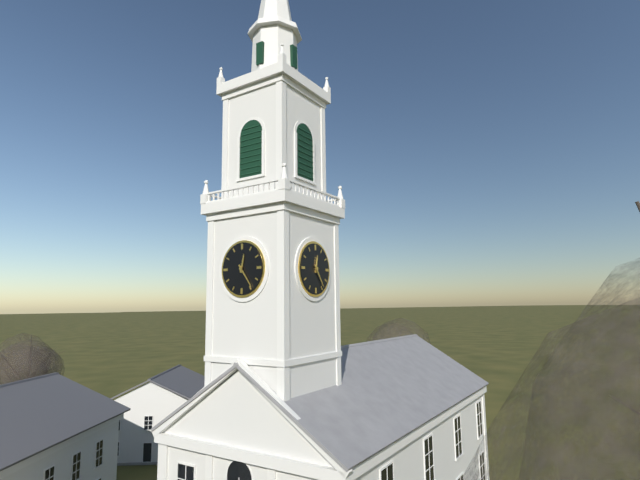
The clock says 12,24
